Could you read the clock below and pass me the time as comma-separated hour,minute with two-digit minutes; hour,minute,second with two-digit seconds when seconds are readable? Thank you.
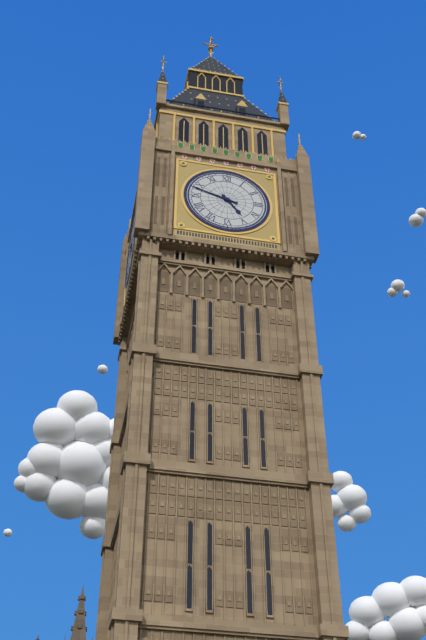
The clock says 4,48
